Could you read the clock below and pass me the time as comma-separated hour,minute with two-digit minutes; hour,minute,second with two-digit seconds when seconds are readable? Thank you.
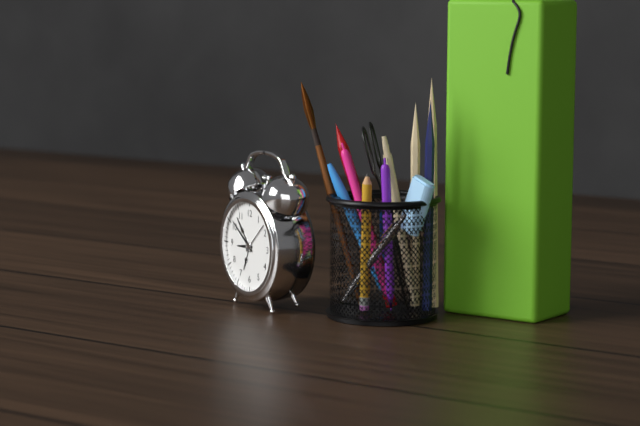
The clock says 8,51
